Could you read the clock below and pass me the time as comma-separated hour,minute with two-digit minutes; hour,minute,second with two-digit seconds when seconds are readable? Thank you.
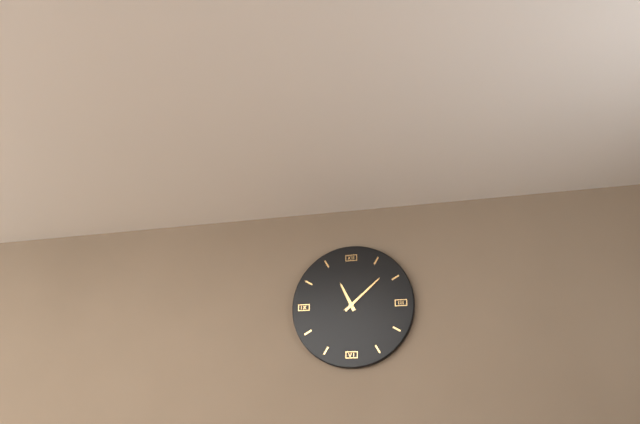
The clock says 11,08
